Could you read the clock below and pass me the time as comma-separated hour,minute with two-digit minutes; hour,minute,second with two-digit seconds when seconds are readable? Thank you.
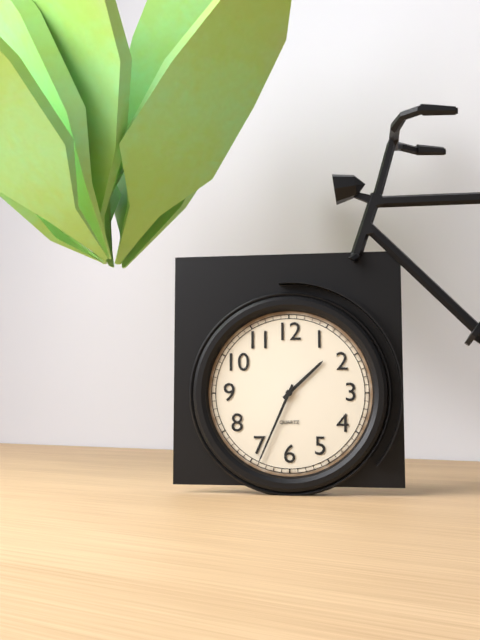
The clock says 1,34
